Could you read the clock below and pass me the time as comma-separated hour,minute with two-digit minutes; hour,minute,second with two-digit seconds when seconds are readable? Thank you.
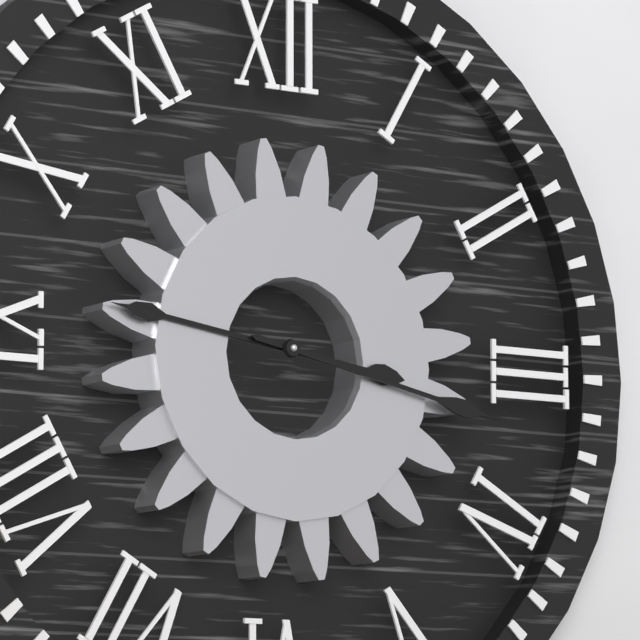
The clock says 9,17
